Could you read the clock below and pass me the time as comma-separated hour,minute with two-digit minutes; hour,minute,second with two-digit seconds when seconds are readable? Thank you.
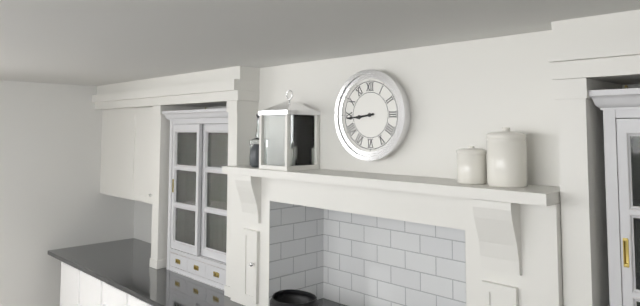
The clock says 8,44
